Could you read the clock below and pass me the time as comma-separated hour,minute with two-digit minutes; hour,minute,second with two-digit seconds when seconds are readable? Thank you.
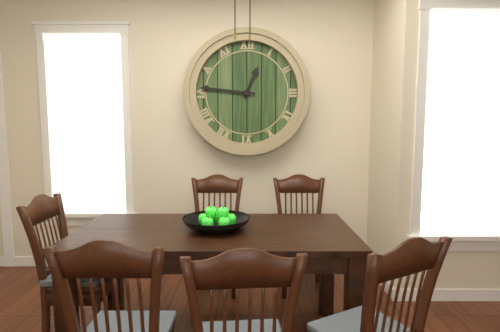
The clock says 12,46
